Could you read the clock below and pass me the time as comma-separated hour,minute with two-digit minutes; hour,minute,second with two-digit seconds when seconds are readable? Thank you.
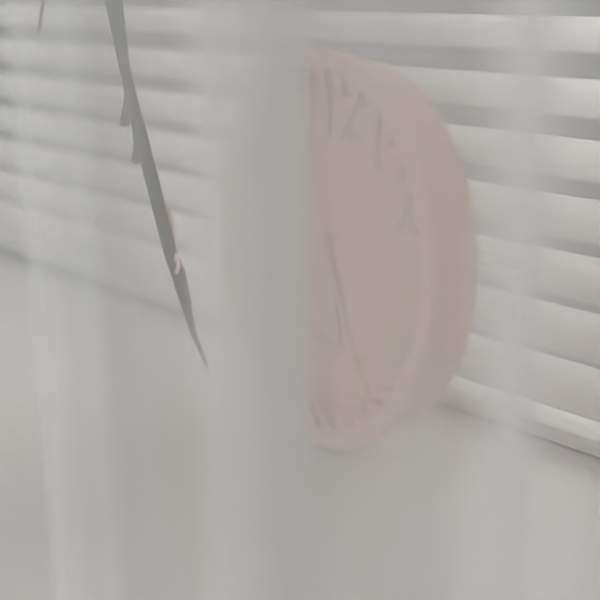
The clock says 5,25
